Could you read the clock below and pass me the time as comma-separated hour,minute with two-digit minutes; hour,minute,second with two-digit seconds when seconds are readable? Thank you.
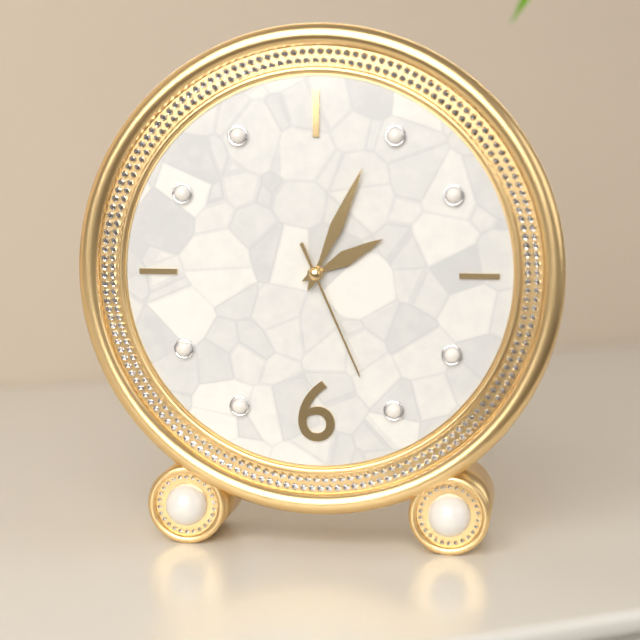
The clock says 2,04,26
